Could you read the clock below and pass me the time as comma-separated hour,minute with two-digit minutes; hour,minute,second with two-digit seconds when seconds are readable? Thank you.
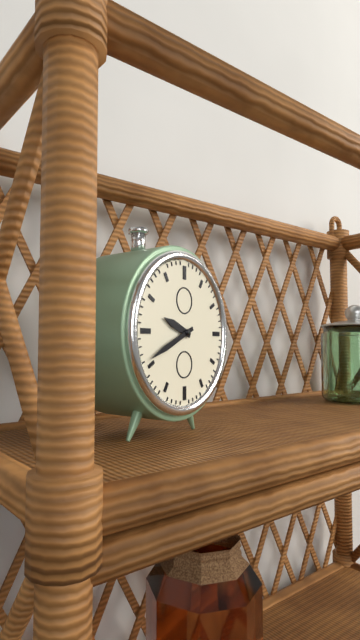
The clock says 9,41
